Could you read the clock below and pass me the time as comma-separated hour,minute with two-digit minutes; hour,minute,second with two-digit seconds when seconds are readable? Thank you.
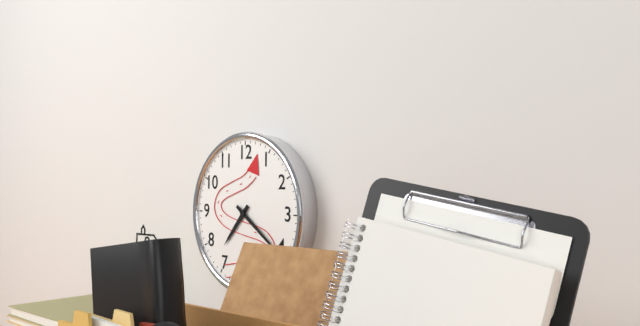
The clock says 7,21
